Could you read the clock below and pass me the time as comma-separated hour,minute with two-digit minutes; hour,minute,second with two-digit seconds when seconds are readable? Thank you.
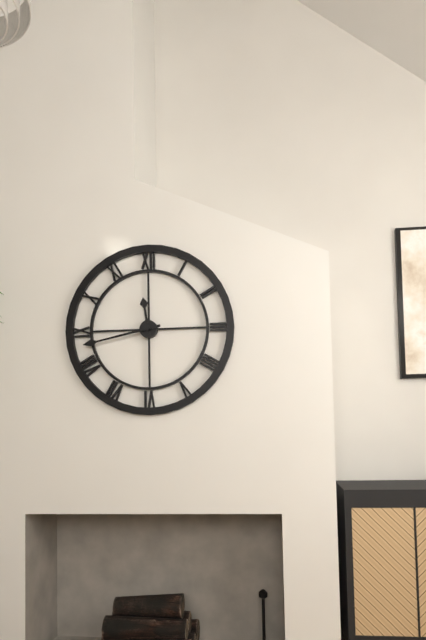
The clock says 11,43
